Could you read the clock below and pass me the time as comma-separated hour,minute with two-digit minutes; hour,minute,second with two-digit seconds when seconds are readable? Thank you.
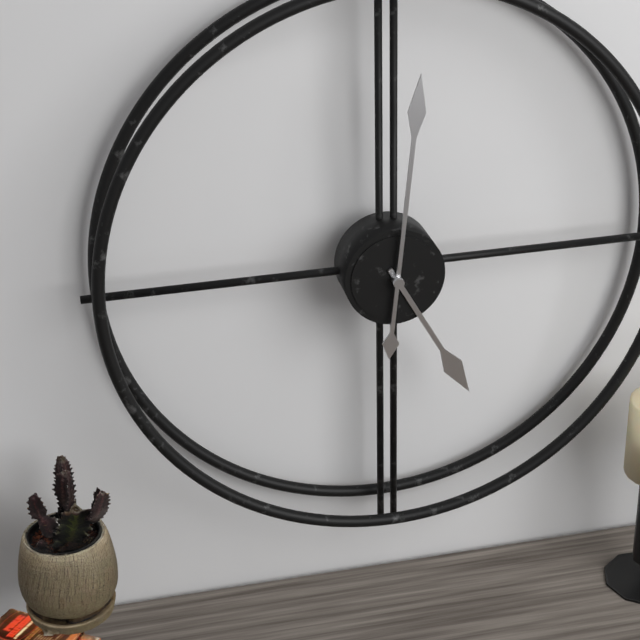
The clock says 5,01
